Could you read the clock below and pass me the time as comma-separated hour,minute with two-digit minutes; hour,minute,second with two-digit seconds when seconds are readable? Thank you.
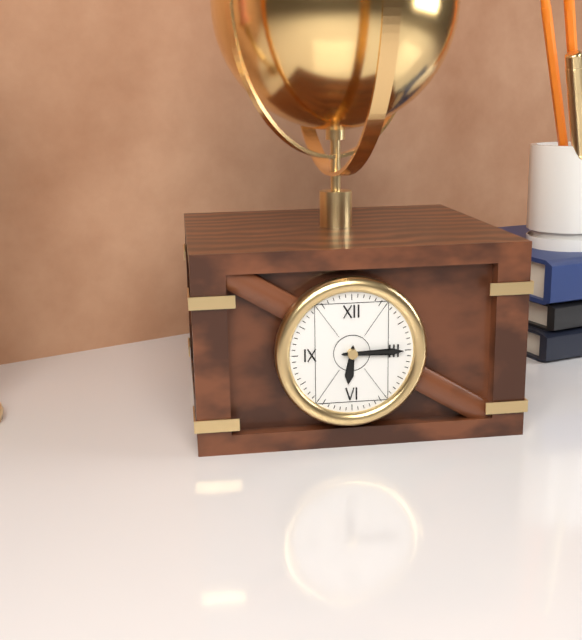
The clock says 6,15
